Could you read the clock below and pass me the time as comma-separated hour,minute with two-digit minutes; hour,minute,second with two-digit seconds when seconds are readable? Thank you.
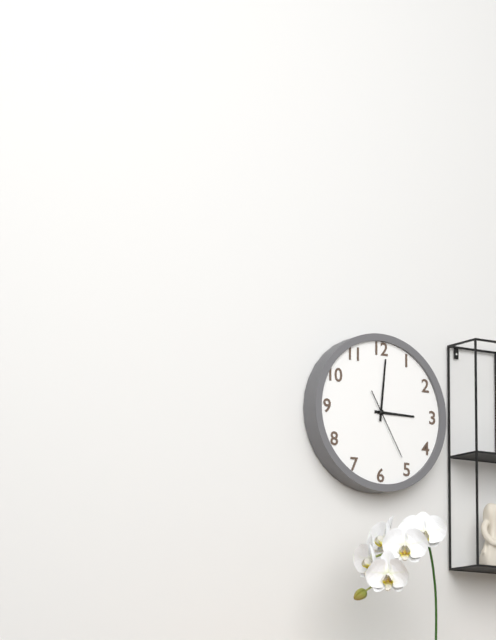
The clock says 3,01,25
